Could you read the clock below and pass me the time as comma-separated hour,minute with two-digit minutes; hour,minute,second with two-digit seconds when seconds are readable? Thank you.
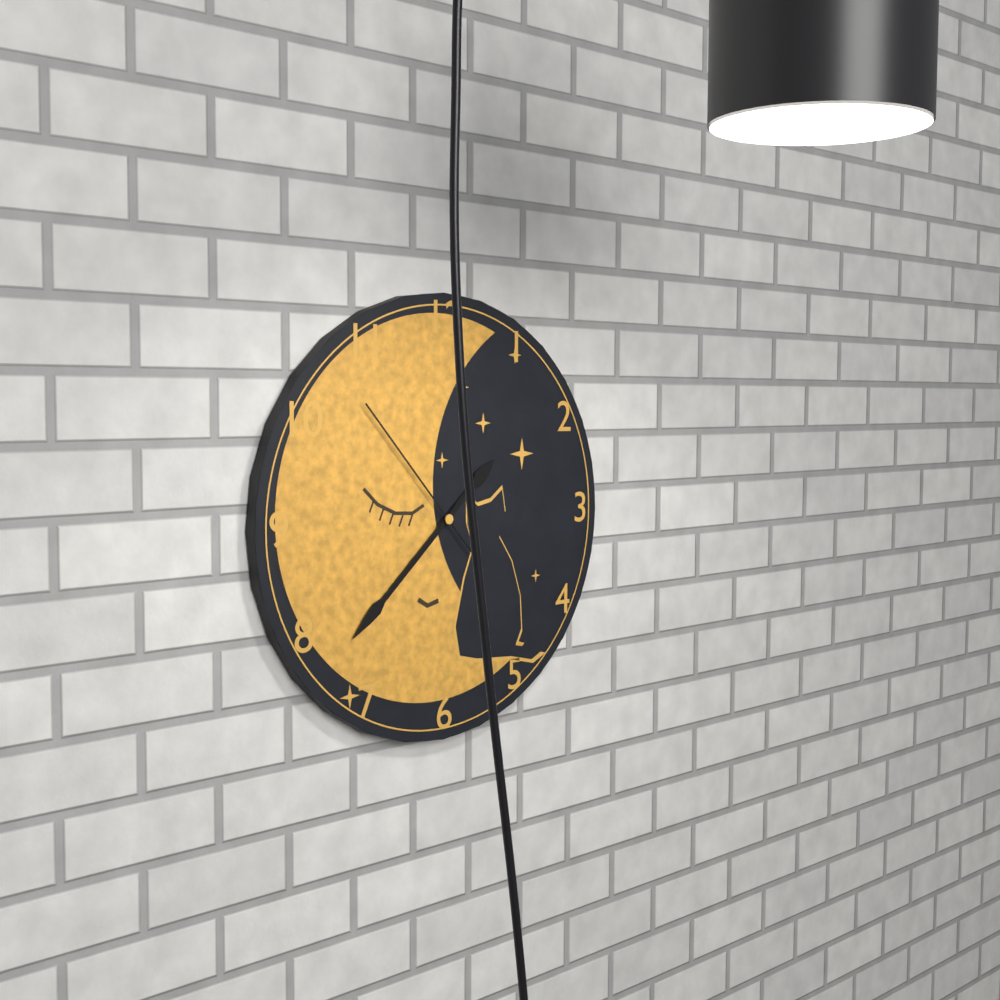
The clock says 1,38,53
